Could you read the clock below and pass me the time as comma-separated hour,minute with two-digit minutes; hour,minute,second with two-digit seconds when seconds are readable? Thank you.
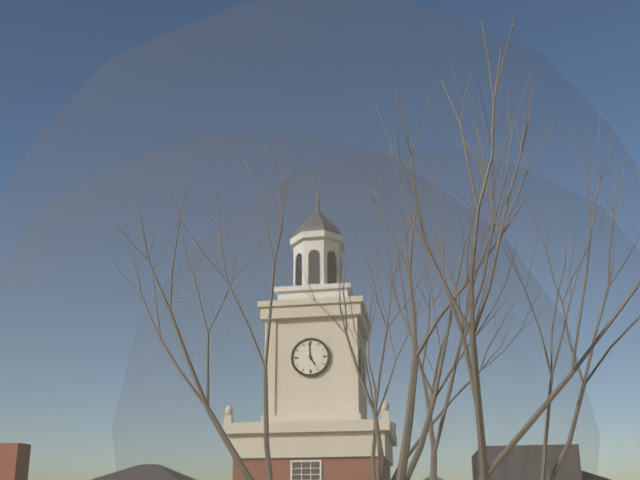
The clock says 4,59
